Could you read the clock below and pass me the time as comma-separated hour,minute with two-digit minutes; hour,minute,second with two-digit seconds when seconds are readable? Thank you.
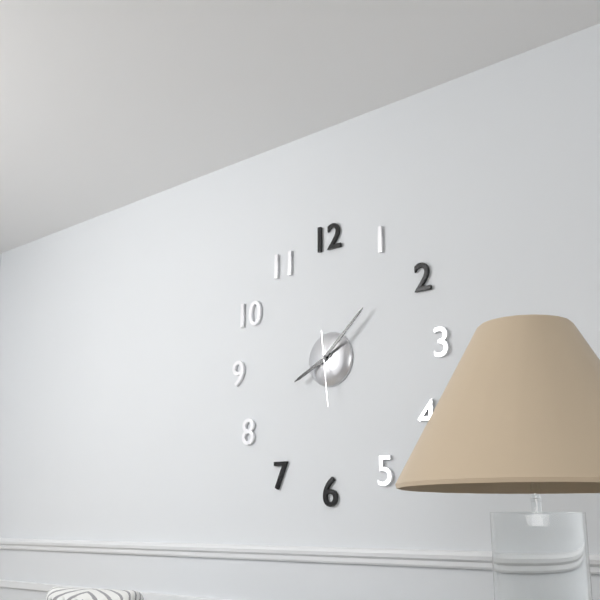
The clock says 8,08,29
